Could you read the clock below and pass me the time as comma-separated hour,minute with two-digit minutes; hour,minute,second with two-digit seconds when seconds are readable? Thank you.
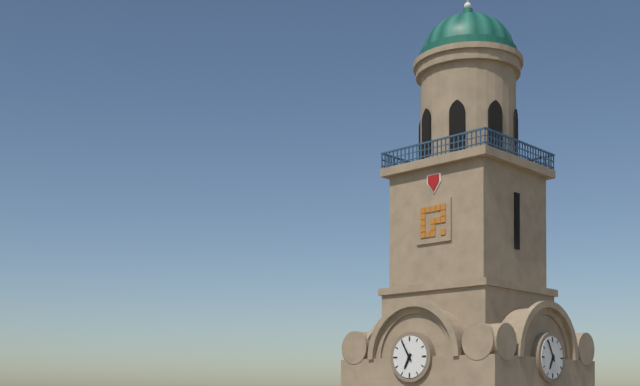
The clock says 6,55
